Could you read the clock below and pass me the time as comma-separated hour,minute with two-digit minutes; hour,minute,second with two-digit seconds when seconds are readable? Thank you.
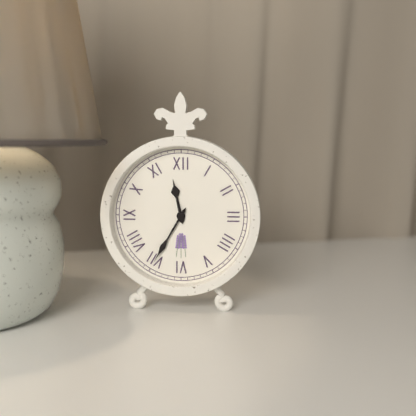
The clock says 11,35
